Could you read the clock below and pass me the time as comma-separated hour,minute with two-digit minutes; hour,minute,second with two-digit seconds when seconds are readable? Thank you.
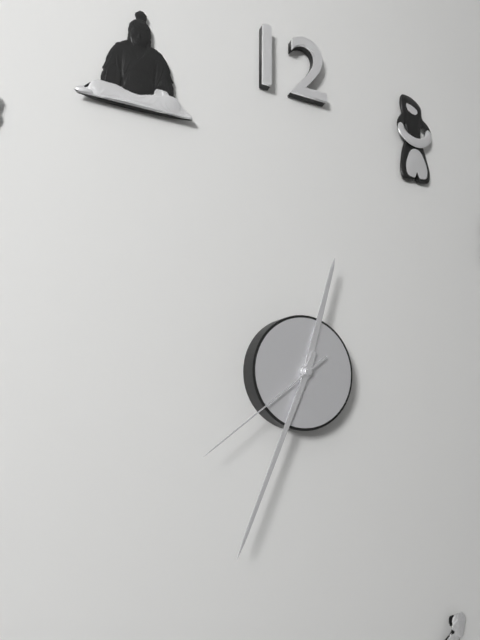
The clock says 12,34,39
